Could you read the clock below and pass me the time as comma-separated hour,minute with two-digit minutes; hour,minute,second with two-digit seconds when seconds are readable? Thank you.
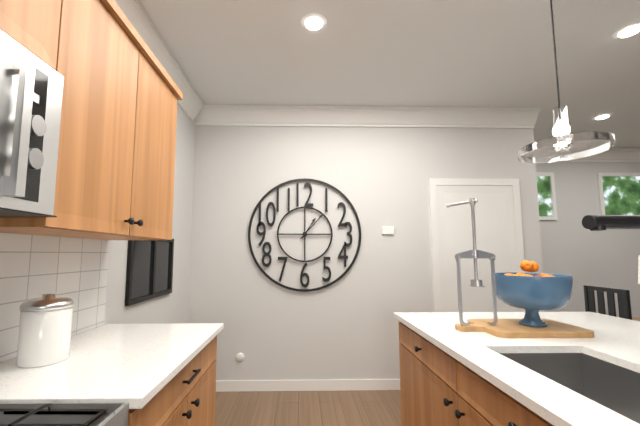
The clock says 1,07
